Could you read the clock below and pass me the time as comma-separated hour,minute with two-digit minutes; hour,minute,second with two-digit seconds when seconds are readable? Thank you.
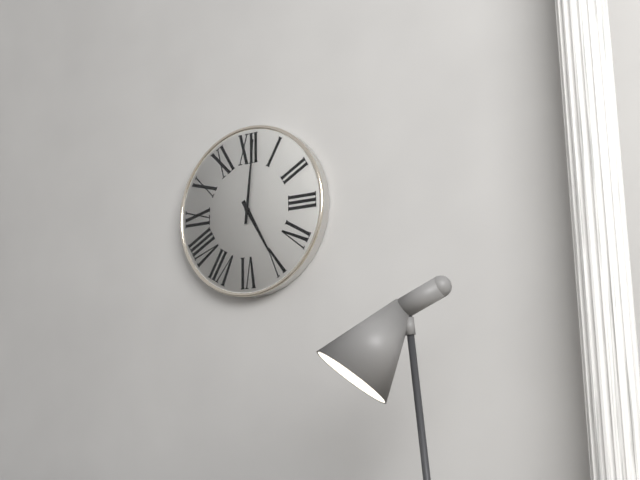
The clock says 5,01
